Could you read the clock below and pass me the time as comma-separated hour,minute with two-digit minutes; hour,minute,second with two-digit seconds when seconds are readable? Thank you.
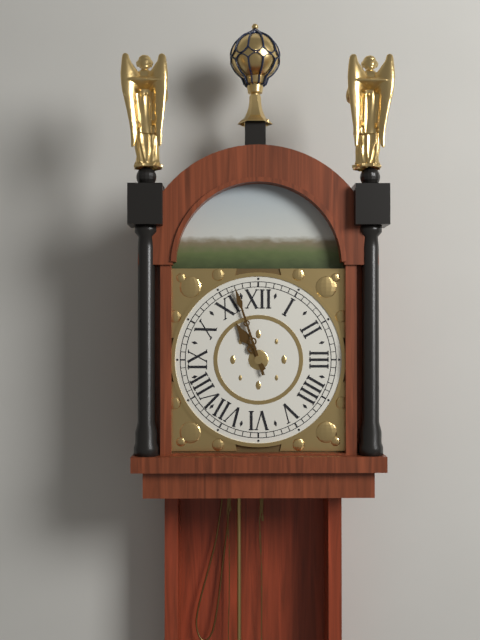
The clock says 10,57
